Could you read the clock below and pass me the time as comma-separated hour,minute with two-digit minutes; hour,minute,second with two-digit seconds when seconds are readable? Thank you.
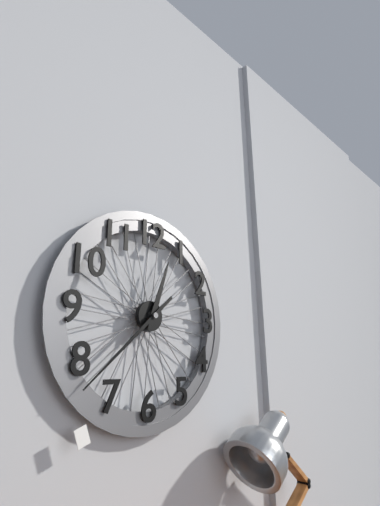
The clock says 12,38
